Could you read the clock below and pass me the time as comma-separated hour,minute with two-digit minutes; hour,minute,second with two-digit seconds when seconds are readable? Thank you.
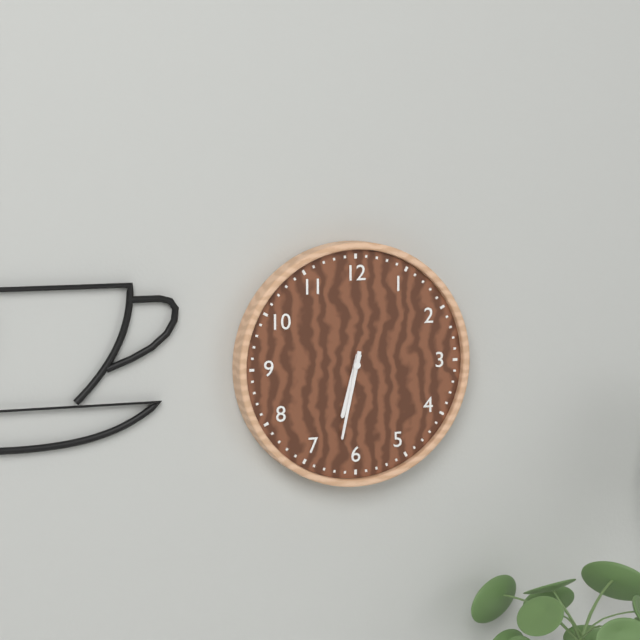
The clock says 6,32
